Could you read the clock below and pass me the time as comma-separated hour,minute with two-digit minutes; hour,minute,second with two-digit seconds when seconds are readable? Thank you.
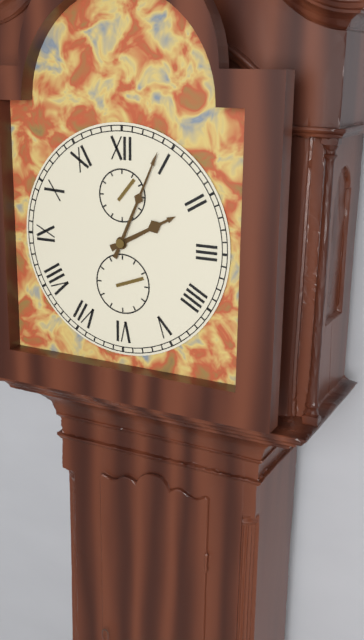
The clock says 2,04
